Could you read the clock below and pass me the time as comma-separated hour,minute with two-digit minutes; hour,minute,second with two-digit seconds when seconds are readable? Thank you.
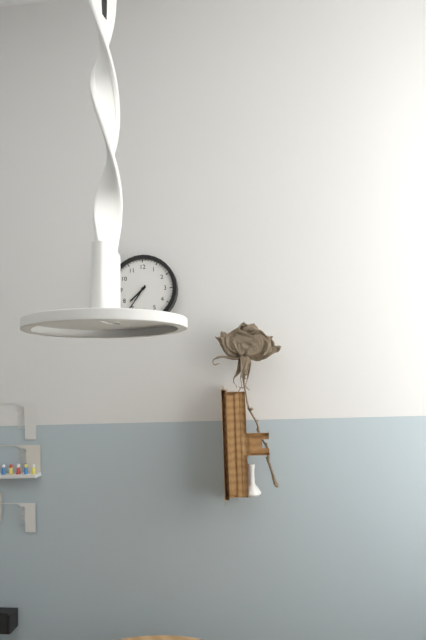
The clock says 7,36
